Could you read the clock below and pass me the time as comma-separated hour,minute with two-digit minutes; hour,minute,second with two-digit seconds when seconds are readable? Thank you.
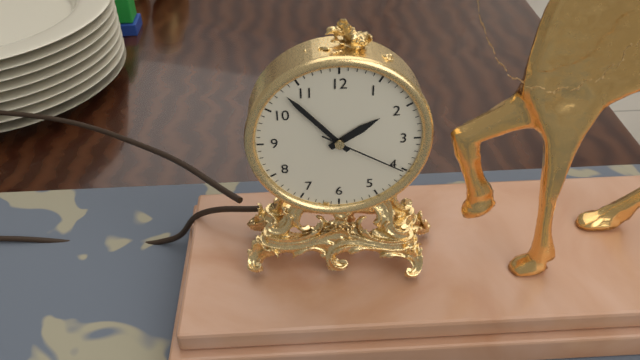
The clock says 1,53,20
